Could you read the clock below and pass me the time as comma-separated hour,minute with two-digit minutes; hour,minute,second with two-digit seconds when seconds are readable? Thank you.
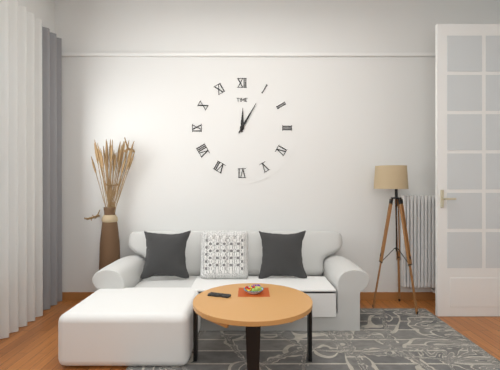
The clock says 12,05
